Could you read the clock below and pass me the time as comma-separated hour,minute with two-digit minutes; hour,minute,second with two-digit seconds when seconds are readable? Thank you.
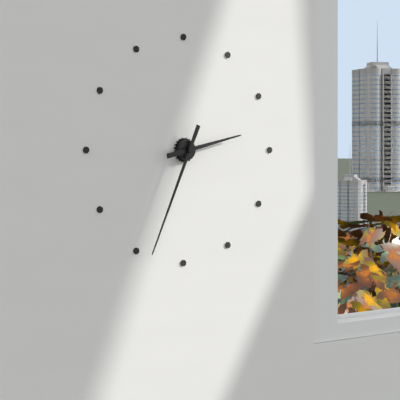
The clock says 2,34
